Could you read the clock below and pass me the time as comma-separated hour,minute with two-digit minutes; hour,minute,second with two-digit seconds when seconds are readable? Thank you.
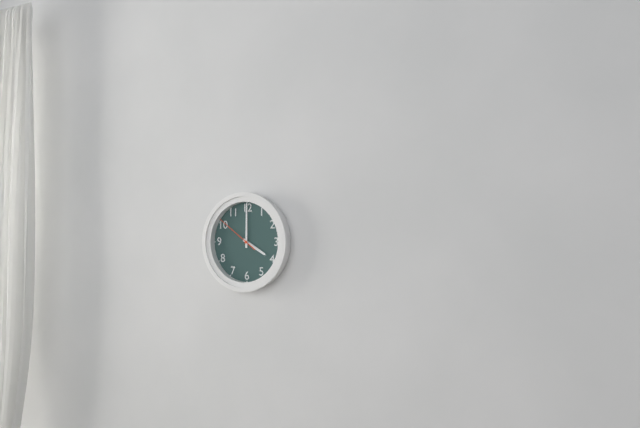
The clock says 4,00
